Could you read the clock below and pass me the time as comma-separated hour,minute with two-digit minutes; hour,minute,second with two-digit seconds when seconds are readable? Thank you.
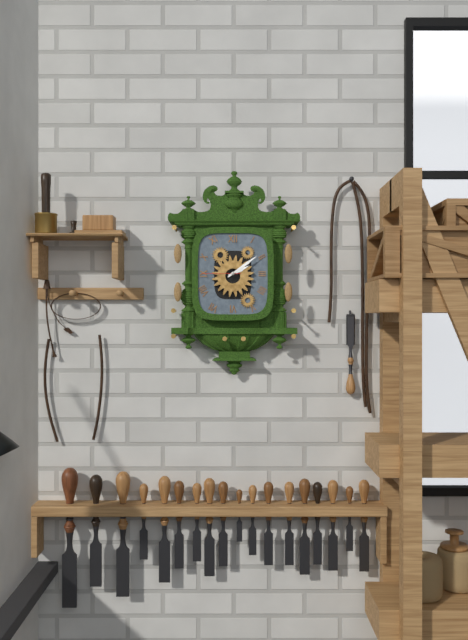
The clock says 2,09
